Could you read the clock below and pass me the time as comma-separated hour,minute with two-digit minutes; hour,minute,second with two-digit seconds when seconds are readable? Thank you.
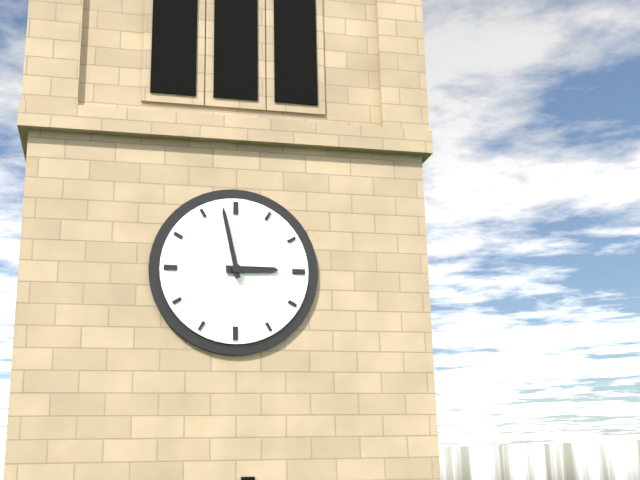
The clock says 2,58
